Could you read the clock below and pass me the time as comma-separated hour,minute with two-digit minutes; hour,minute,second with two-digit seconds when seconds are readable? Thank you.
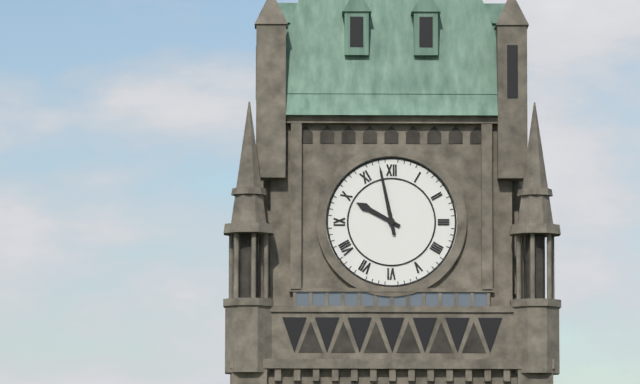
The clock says 9,58
